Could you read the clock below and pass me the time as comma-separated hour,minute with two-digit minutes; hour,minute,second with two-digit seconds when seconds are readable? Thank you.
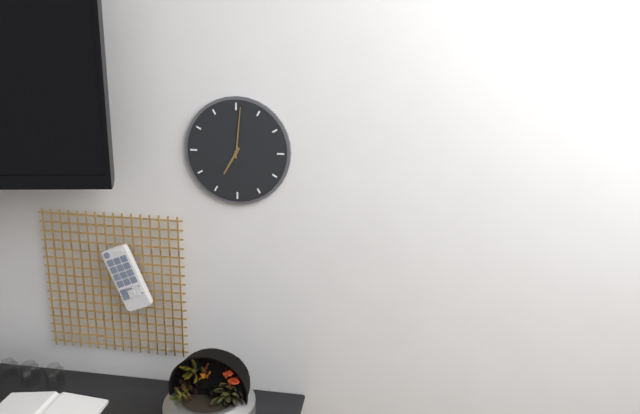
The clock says 7,01
